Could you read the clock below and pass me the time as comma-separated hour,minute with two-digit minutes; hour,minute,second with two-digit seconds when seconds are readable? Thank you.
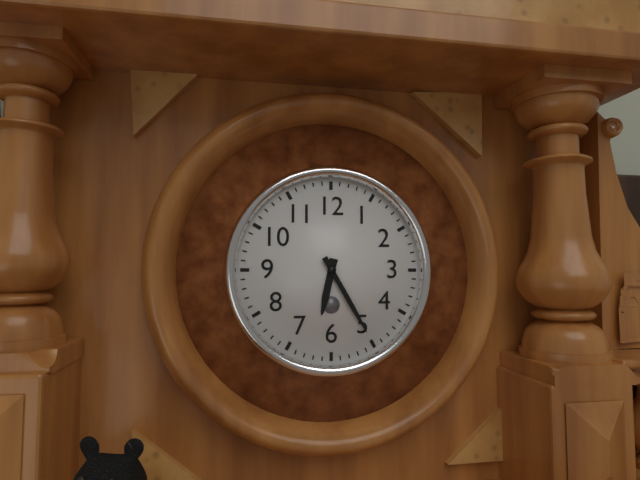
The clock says 6,25
